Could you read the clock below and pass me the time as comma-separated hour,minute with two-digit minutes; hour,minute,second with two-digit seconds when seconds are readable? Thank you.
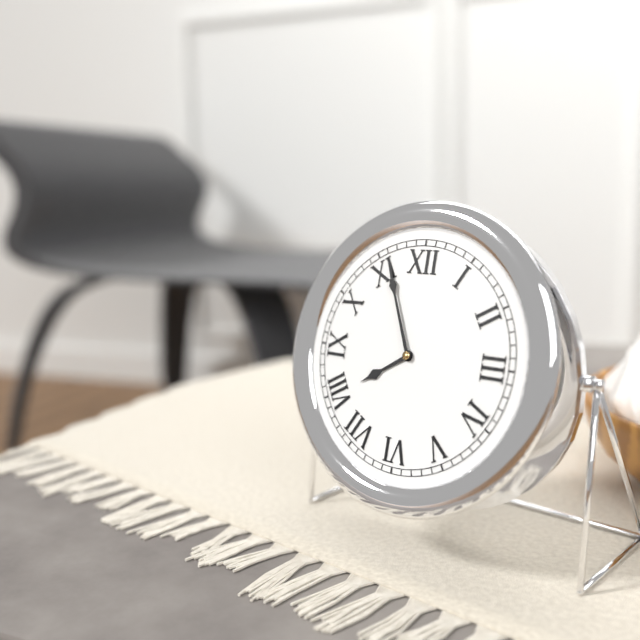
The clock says 7,56
